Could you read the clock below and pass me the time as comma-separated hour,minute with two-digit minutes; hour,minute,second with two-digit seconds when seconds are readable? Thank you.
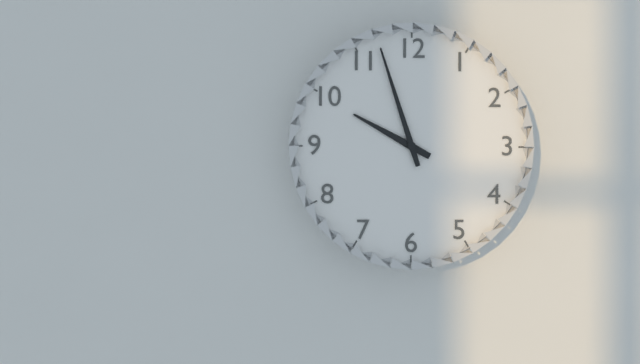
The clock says 9,57
